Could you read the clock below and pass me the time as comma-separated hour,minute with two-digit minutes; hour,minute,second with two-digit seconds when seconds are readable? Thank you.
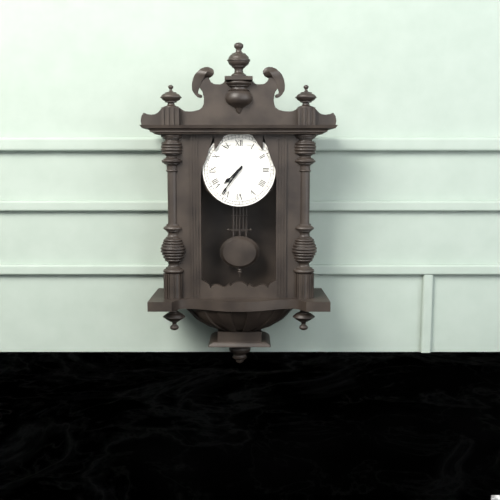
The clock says 7,36
